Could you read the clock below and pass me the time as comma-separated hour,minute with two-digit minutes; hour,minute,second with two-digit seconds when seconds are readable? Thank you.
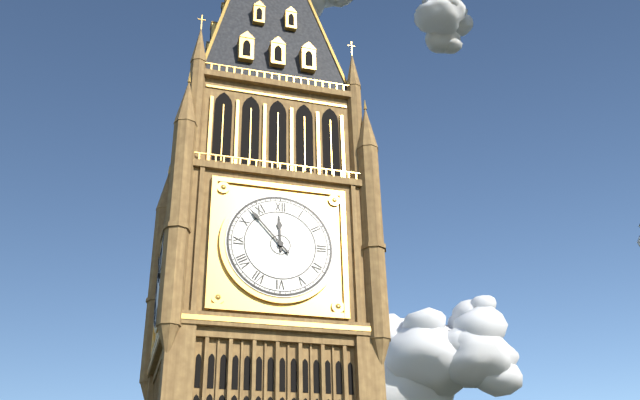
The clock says 11,53
